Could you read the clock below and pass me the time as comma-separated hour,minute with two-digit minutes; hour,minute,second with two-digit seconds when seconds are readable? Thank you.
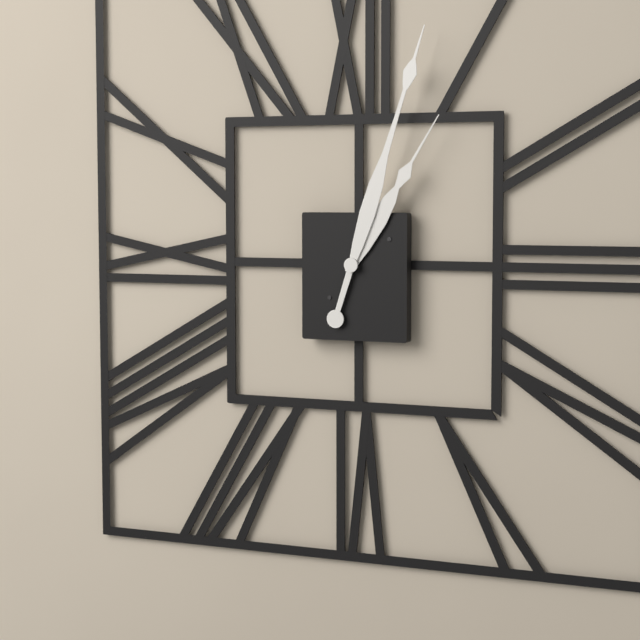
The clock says 1,03
